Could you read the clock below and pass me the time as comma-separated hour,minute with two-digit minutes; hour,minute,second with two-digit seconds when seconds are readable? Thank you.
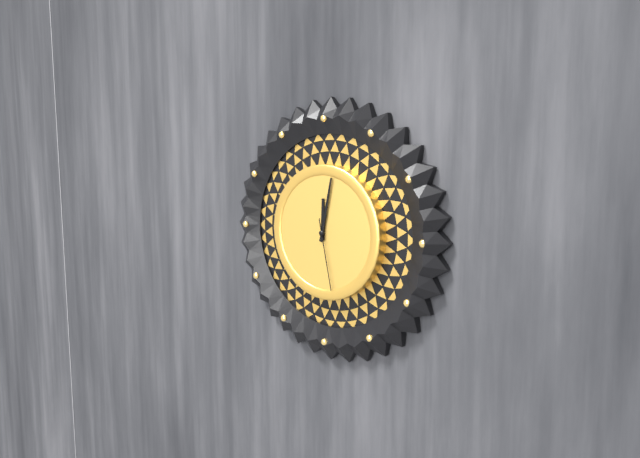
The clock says 12,02,28
